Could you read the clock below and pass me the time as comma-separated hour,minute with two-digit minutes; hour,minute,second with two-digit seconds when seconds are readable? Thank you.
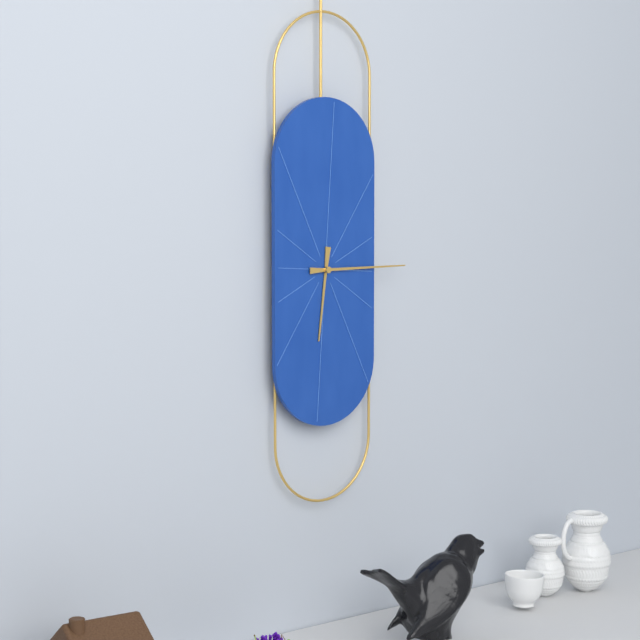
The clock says 6,15
